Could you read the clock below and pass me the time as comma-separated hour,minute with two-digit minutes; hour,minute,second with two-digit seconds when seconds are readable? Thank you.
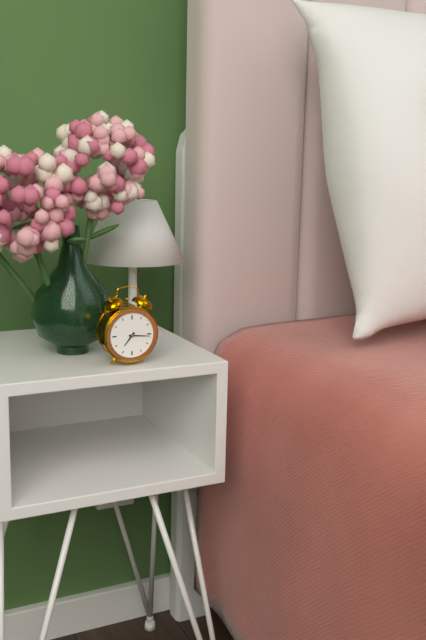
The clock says 7,16
